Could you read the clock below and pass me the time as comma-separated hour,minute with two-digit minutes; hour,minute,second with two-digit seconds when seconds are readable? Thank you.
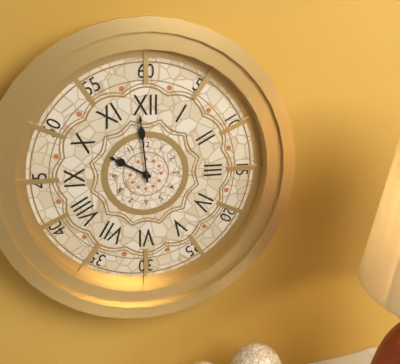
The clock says 9,59
